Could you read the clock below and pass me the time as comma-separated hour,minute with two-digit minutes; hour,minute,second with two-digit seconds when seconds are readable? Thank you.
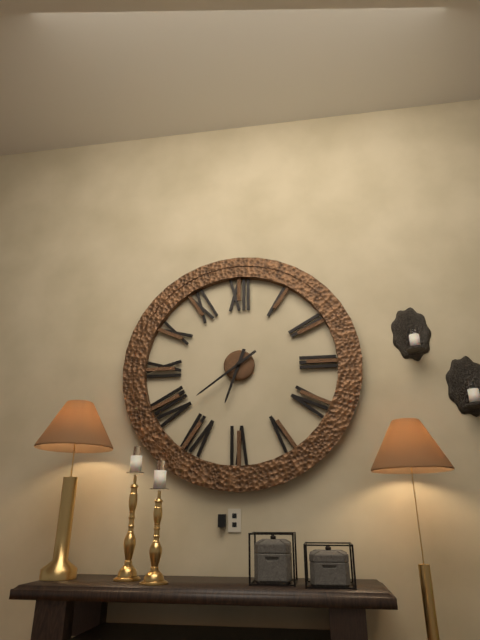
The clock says 6,39
